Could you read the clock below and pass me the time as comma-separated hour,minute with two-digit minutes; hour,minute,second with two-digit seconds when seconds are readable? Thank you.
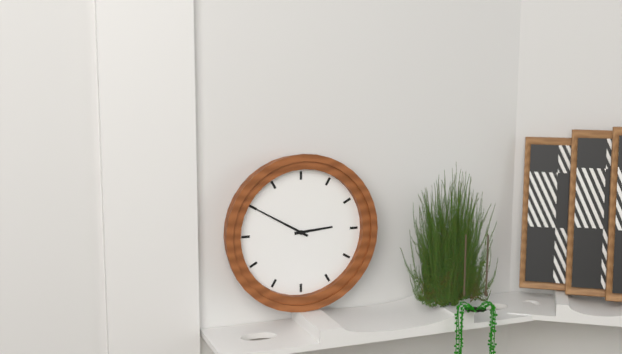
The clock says 2,50
